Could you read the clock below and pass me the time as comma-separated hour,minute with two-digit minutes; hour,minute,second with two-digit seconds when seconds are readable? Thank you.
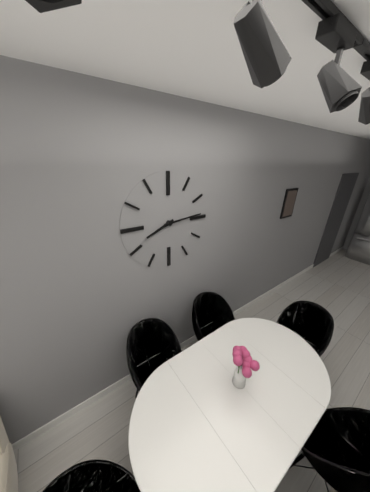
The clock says 8,14
